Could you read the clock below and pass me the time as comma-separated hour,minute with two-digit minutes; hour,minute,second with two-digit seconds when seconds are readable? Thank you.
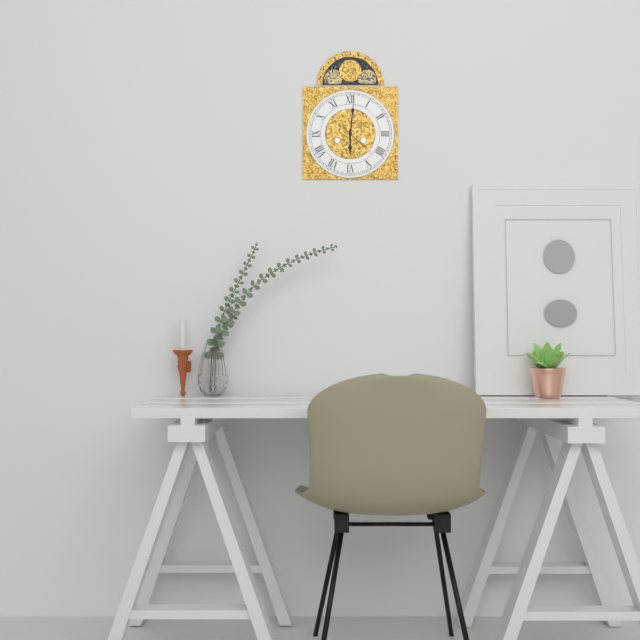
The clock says 6,01
